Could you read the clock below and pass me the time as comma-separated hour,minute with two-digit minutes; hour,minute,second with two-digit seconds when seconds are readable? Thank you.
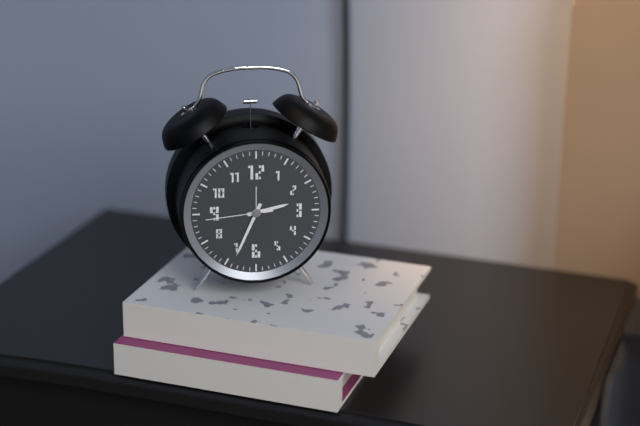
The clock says 2,34,44
